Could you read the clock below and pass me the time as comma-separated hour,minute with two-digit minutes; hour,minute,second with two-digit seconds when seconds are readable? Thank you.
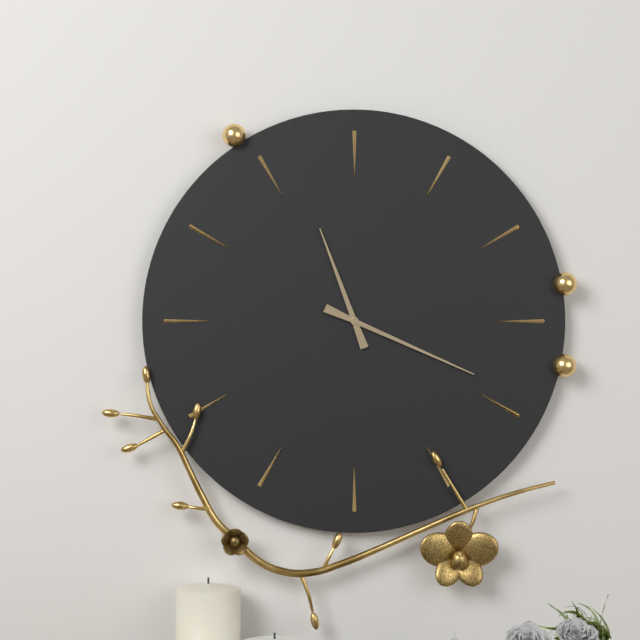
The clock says 11,19
